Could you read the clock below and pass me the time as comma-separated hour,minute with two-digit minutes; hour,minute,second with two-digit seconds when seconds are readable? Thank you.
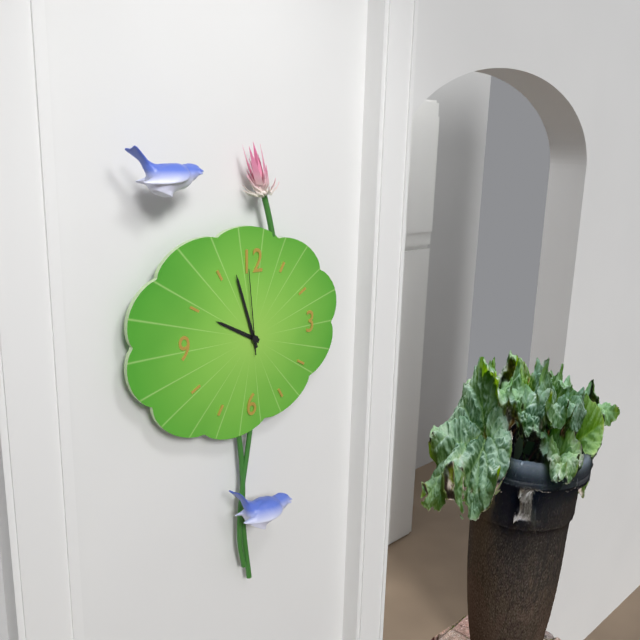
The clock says 9,57,59
